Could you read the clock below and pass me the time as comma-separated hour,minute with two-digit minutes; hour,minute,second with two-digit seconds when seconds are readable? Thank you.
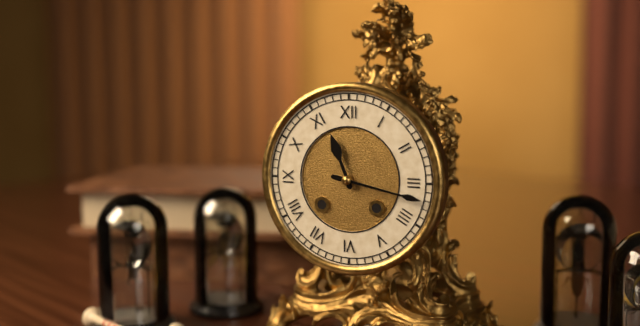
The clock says 11,17
